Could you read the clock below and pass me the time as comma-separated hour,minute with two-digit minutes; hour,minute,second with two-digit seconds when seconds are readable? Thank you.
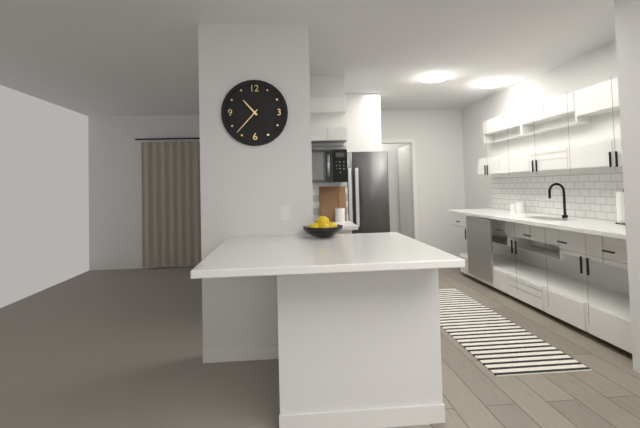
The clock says 10,37
